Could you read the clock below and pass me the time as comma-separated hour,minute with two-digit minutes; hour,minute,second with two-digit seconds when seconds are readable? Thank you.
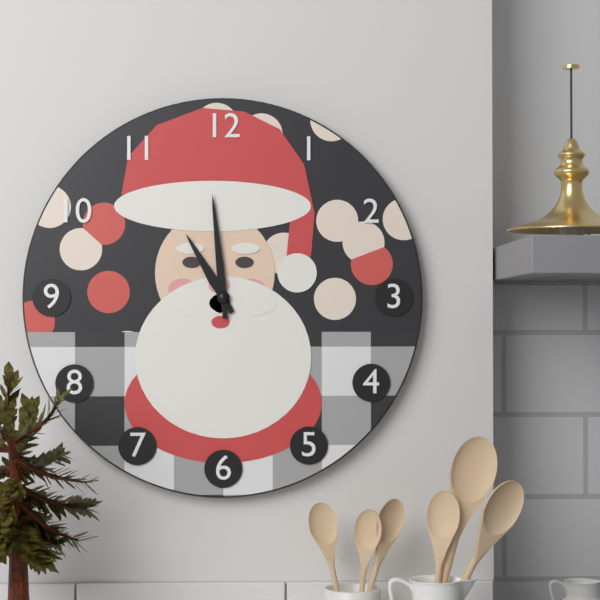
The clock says 10,59
